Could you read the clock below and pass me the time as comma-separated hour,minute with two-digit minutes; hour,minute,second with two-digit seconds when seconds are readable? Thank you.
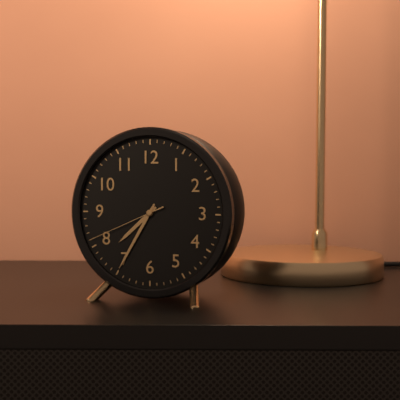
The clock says 7,35,41
